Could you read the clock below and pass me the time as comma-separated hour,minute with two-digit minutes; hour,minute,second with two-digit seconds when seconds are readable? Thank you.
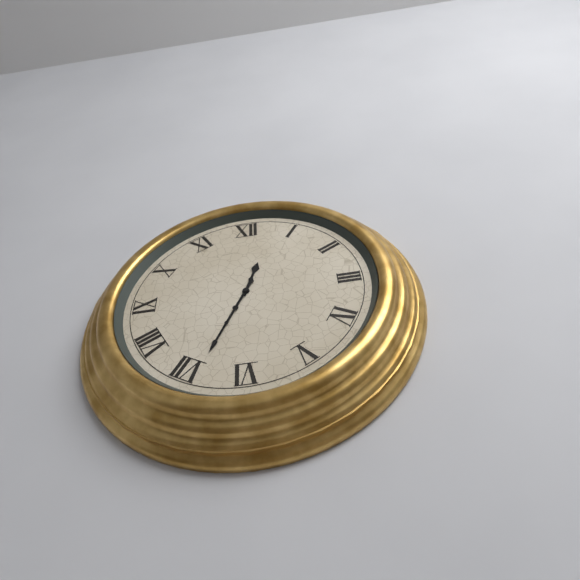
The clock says 12,34
